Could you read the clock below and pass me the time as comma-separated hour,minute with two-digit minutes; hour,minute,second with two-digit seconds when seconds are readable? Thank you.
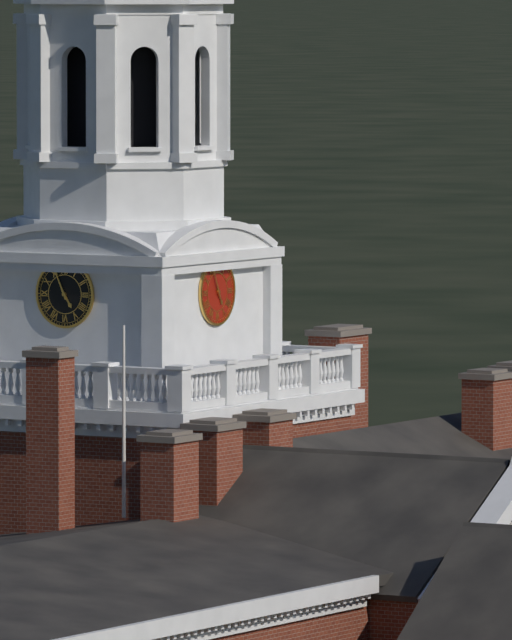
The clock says 4,56
